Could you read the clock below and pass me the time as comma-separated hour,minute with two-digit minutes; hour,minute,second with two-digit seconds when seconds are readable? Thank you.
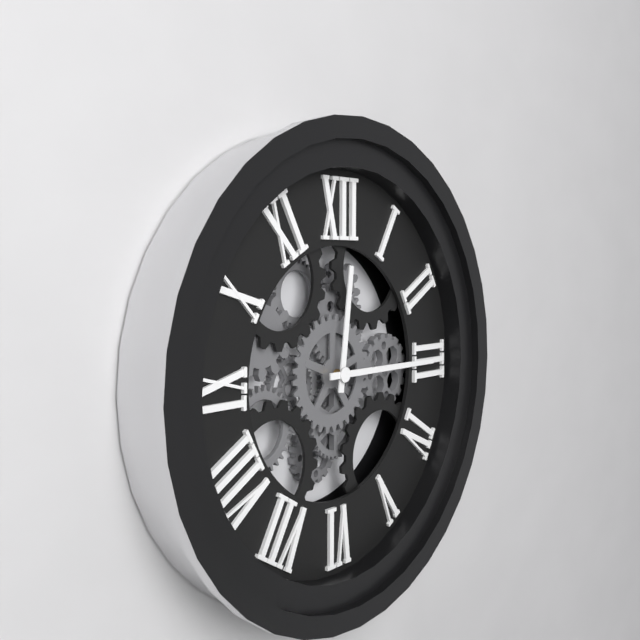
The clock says 12,15
